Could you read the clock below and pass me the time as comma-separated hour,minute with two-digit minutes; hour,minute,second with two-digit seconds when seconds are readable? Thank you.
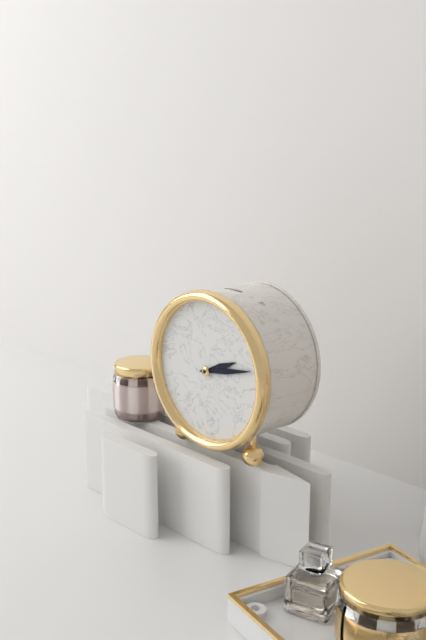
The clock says 2,13
